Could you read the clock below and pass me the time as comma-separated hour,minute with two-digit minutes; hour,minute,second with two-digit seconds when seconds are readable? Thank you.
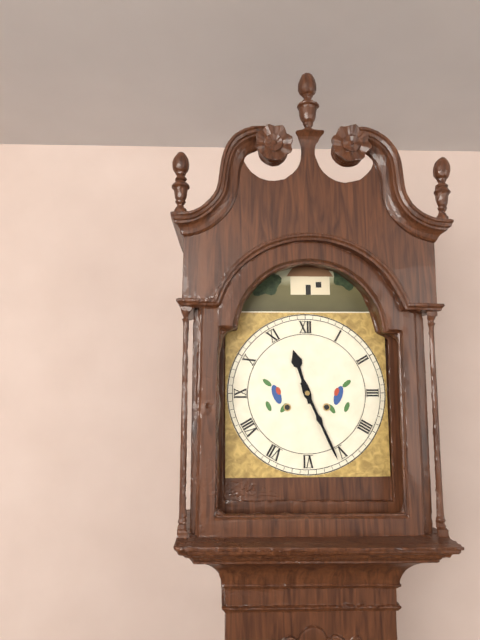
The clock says 11,26
